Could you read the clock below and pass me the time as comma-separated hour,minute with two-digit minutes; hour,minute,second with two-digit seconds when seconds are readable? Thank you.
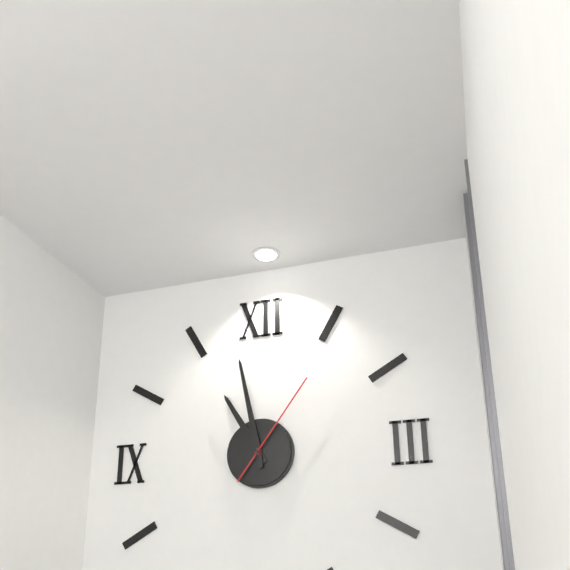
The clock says 10,58,06
